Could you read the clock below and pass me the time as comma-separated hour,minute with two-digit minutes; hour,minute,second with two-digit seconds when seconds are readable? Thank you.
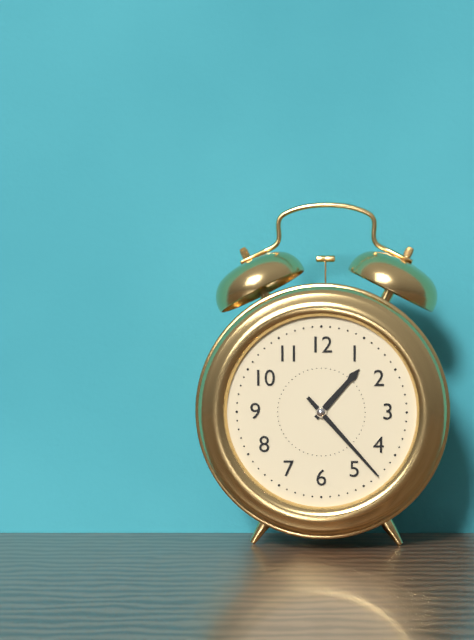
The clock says 1,23
